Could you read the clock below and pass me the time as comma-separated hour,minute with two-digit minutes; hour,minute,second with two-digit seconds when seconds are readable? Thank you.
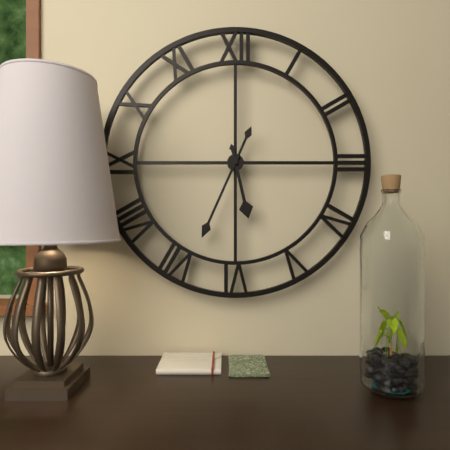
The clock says 5,34
